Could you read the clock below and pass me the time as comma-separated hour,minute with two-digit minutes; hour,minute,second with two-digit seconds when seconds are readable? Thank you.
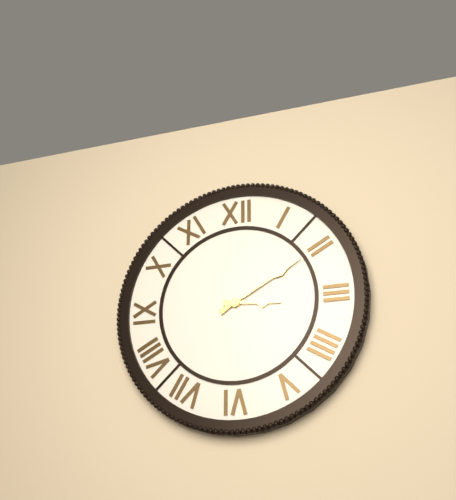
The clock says 3,10
